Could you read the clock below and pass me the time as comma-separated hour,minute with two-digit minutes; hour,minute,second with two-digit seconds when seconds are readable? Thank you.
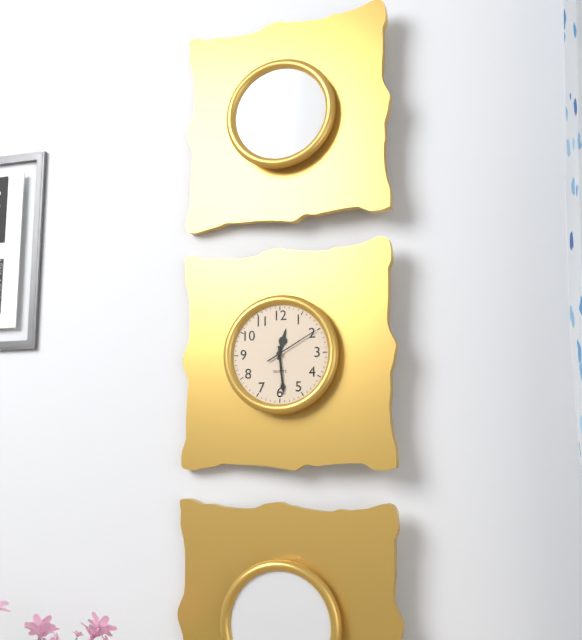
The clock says 12,29,10
